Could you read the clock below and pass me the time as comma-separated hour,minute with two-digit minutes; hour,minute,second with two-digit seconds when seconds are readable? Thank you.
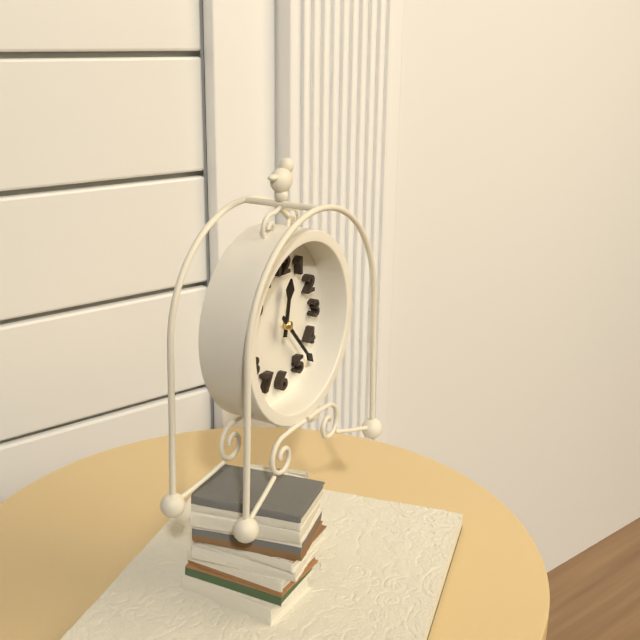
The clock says 12,23
